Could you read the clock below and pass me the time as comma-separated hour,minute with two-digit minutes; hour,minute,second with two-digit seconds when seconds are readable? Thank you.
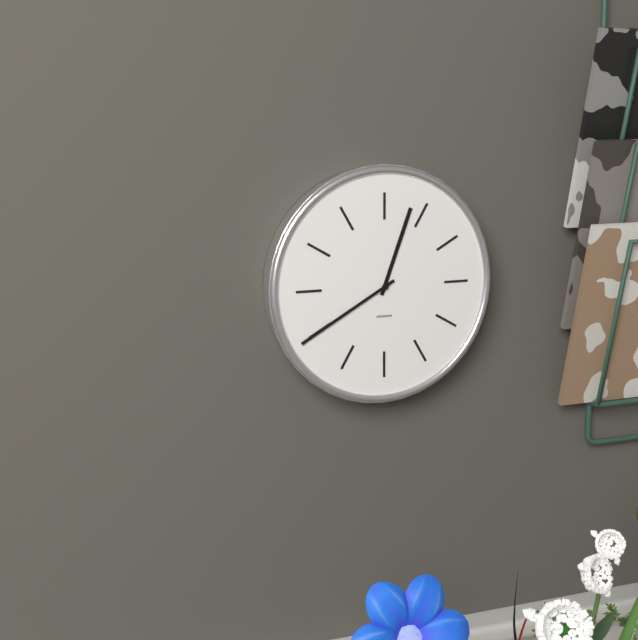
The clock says 12,40
